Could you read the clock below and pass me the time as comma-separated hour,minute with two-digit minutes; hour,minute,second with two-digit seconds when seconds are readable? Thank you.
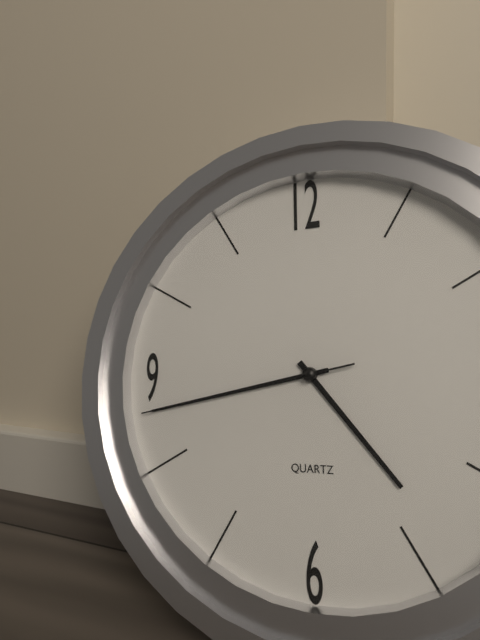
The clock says 4,43,43
